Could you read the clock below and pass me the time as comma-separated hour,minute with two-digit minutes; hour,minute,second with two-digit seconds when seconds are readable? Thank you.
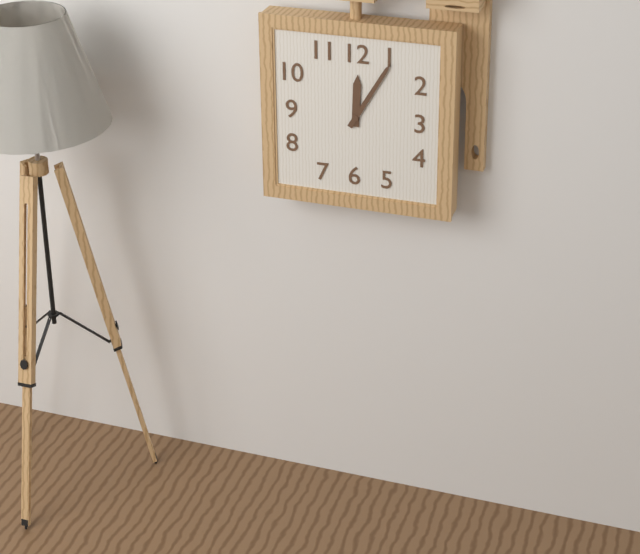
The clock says 12,05
